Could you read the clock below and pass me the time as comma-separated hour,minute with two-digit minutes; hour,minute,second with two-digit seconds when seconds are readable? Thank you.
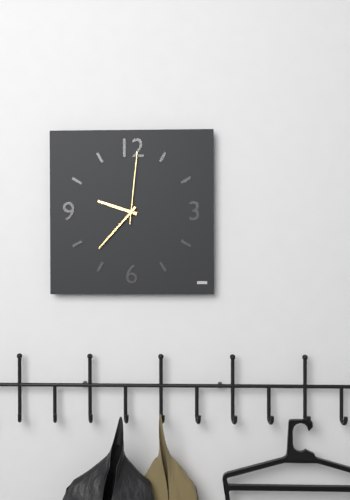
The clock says 9,37,01
